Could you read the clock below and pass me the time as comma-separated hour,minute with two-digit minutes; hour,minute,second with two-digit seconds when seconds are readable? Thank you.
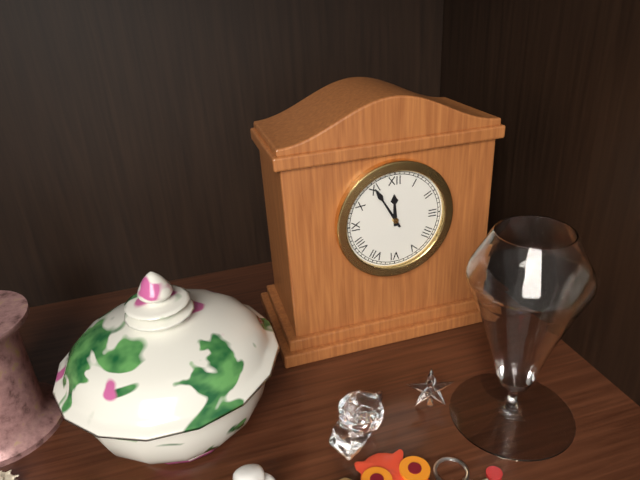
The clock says 11,55
